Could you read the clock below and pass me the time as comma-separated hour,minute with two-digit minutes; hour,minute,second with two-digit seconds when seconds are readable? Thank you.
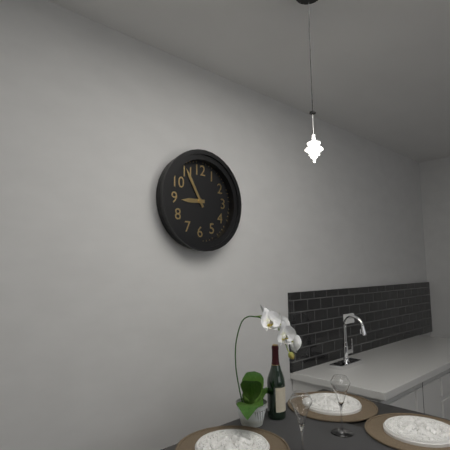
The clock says 8,55
